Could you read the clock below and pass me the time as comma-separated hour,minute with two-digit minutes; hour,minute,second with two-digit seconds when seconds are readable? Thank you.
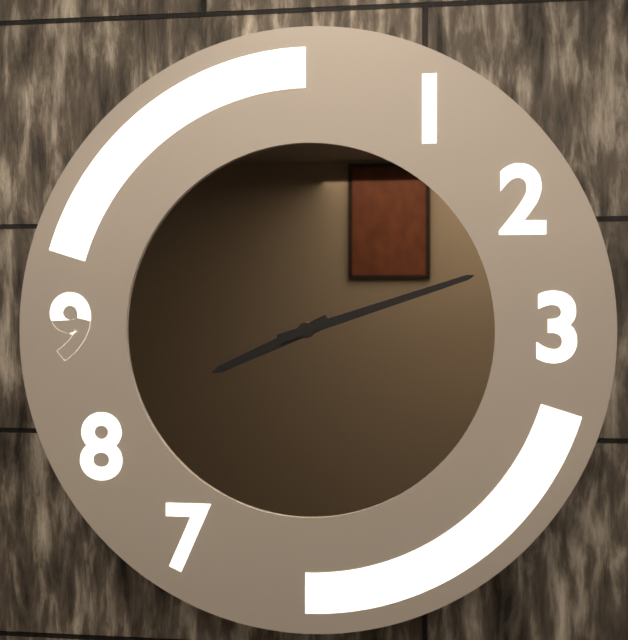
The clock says 8,12
